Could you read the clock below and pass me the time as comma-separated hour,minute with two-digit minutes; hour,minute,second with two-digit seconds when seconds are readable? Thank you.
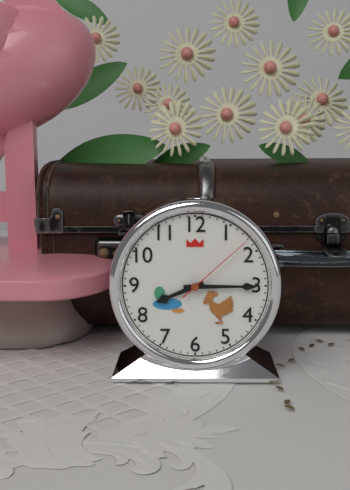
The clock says 8,15,08
